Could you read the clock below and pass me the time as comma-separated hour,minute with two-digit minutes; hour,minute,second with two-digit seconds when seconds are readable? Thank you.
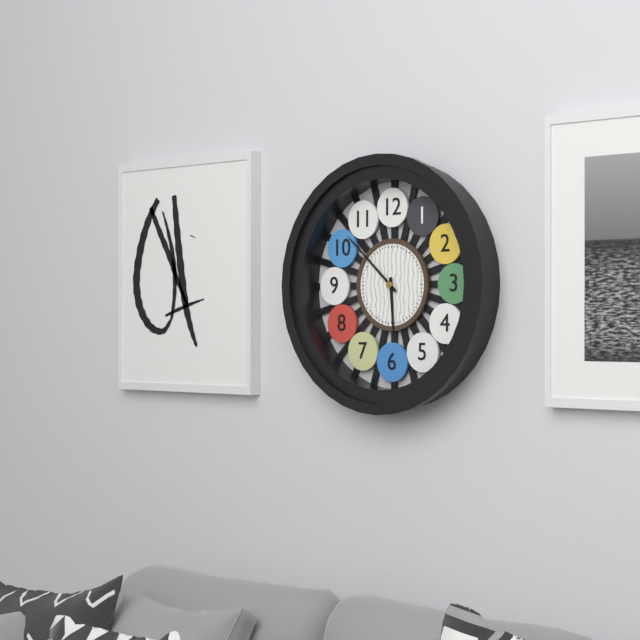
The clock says 5,52
